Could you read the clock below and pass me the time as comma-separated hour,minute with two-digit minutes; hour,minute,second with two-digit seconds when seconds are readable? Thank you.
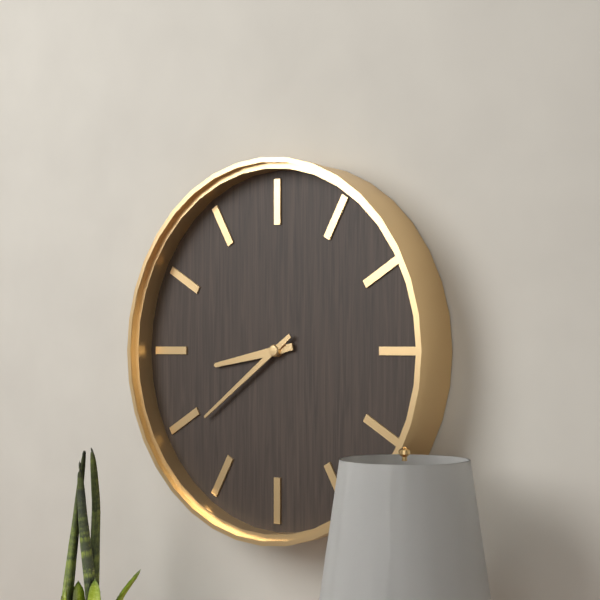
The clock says 8,39
